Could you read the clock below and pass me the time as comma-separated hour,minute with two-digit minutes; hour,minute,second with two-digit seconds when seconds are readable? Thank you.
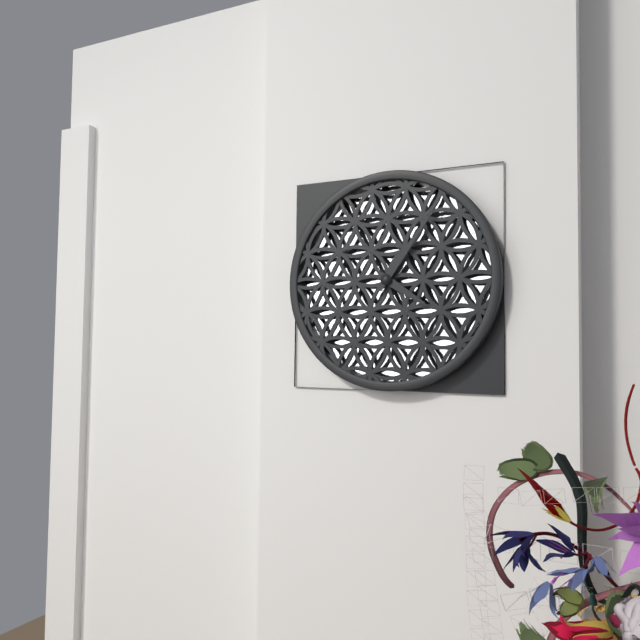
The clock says 4,06
